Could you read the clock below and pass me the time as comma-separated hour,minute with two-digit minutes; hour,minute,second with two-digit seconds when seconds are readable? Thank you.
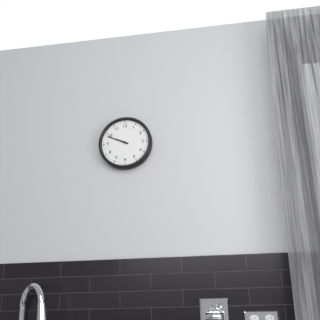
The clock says 9,49
